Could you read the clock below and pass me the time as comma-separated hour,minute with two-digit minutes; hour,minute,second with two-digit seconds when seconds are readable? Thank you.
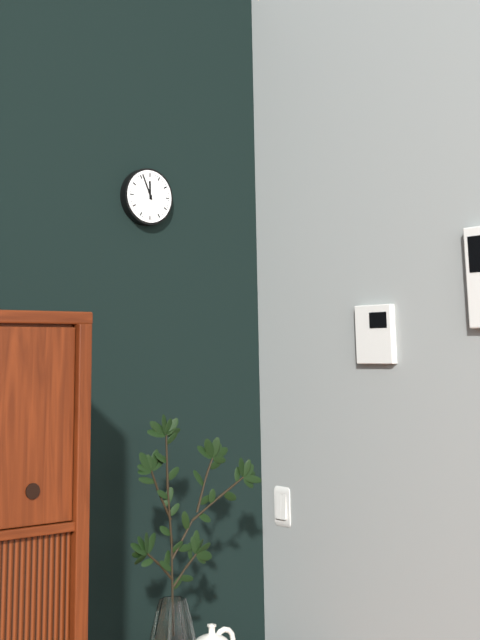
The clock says 11,56
